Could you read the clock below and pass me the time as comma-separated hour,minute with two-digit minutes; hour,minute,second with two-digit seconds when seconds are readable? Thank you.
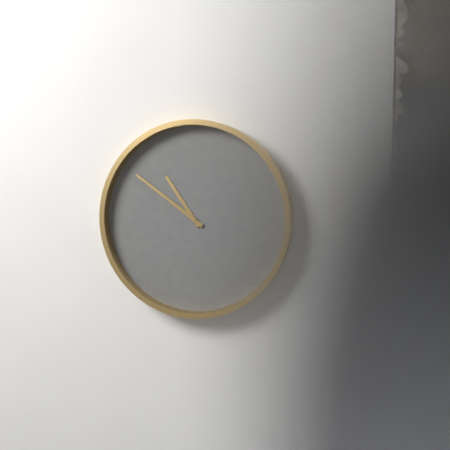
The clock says 10,51
